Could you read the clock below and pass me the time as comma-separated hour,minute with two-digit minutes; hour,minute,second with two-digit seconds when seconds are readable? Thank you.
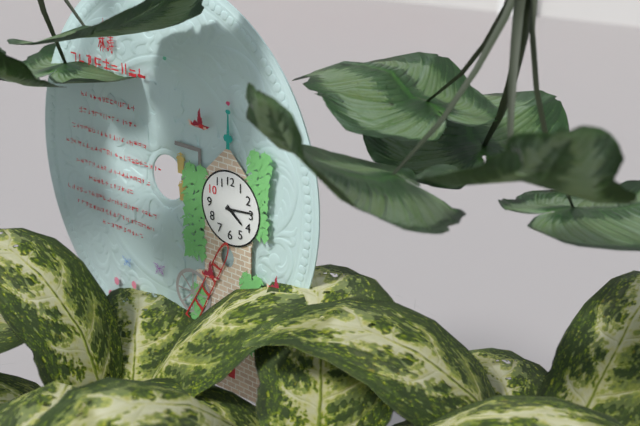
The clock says 4,14
